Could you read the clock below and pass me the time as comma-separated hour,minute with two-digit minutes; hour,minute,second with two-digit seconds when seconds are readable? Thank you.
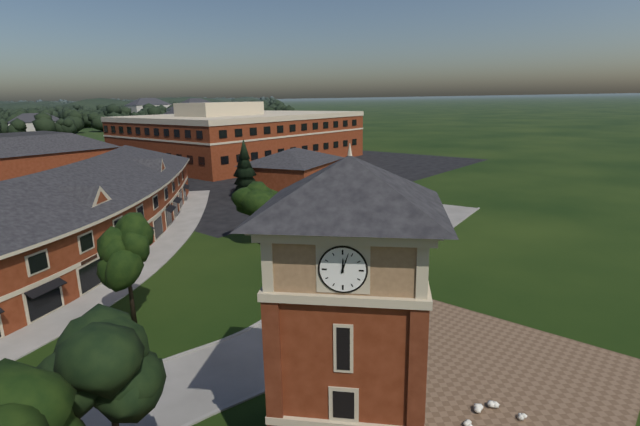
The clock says 12,03
